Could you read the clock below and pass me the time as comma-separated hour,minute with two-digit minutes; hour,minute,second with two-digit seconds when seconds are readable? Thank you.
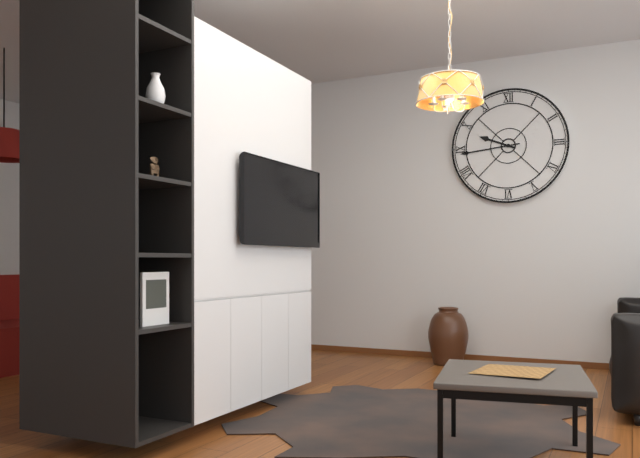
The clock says 9,44
